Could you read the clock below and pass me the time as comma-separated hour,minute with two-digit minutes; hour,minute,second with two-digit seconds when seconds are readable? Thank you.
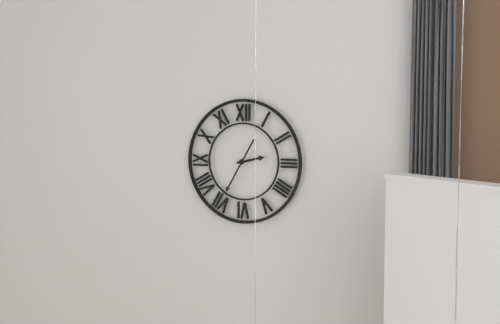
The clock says 2,35
